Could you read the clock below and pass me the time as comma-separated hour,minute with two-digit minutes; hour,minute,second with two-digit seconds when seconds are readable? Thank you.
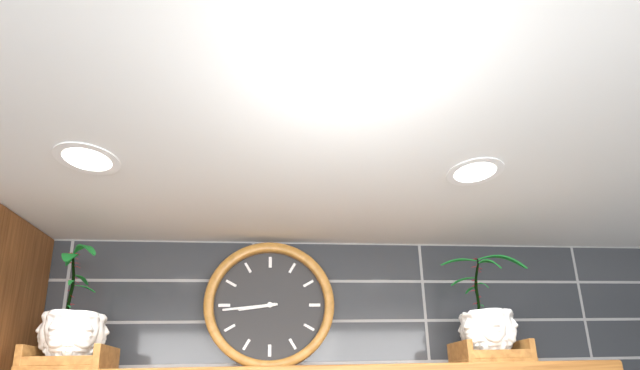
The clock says 8,44
